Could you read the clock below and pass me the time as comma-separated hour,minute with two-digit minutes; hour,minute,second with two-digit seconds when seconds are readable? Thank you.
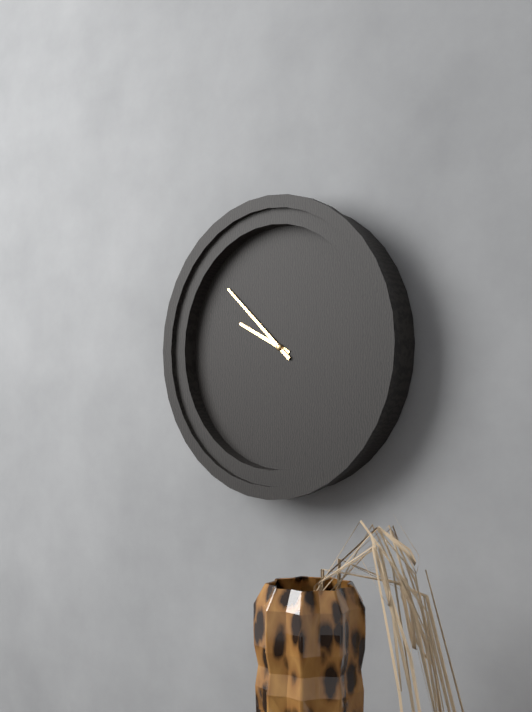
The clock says 9,52
